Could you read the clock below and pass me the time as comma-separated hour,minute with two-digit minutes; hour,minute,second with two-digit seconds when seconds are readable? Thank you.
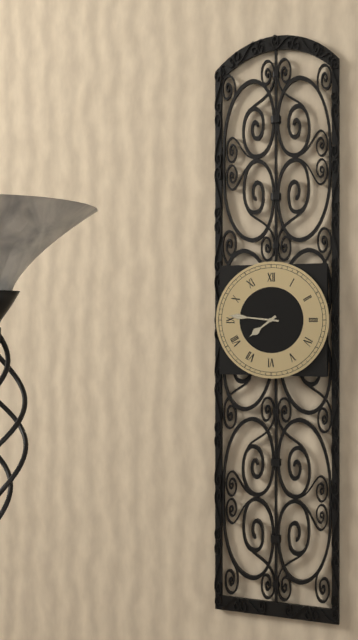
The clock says 7,46
